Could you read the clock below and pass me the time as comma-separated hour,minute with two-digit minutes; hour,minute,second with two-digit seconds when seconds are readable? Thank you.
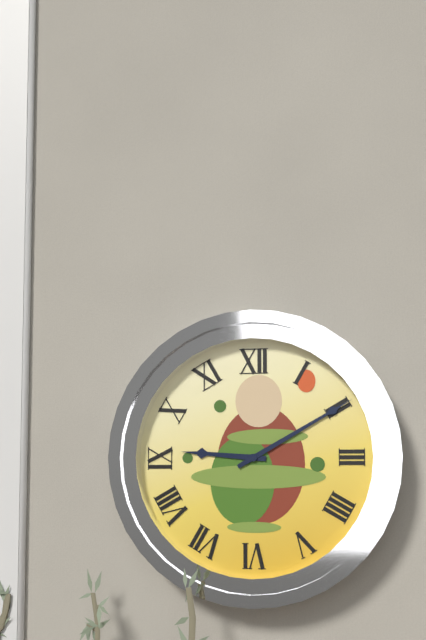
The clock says 9,10
